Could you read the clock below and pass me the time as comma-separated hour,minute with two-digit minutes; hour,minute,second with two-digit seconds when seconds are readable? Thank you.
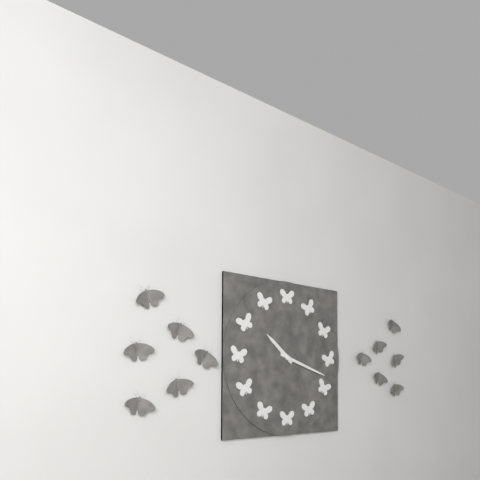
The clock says 10,18
